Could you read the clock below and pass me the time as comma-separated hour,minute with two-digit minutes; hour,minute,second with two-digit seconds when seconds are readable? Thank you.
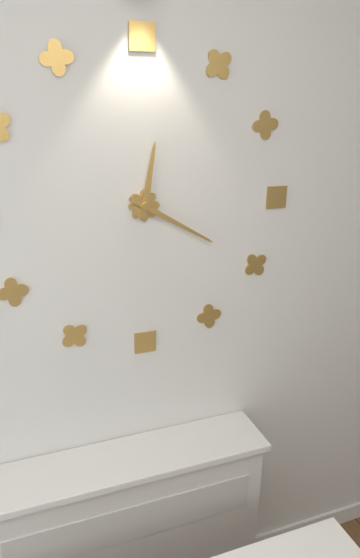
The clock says 12,20
